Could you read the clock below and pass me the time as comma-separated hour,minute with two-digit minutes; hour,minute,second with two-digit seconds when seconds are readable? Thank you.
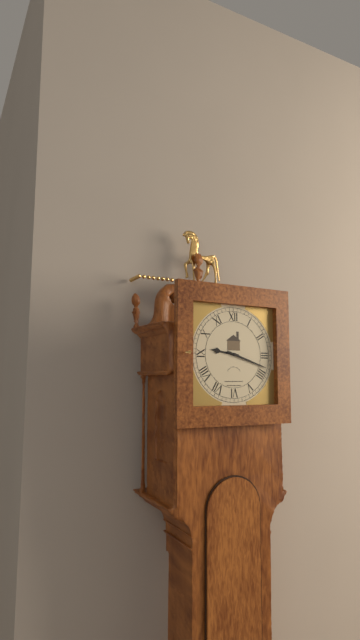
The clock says 9,18
